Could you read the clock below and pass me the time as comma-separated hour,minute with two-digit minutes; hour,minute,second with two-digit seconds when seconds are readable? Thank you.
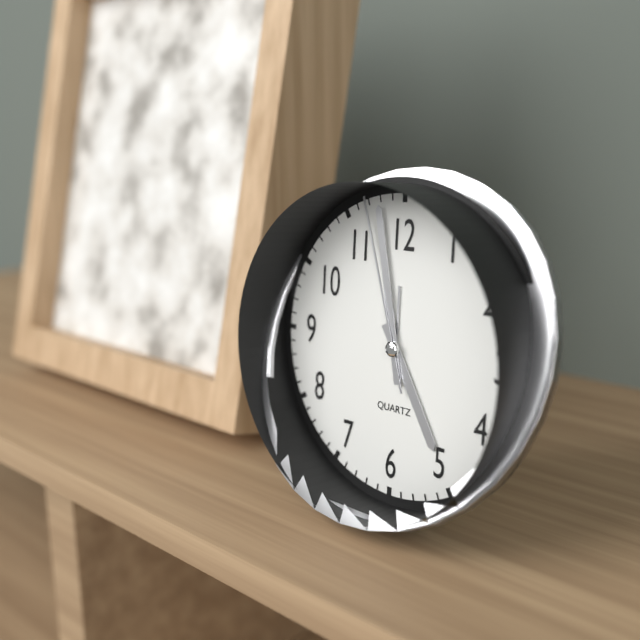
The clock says 4,58,57
